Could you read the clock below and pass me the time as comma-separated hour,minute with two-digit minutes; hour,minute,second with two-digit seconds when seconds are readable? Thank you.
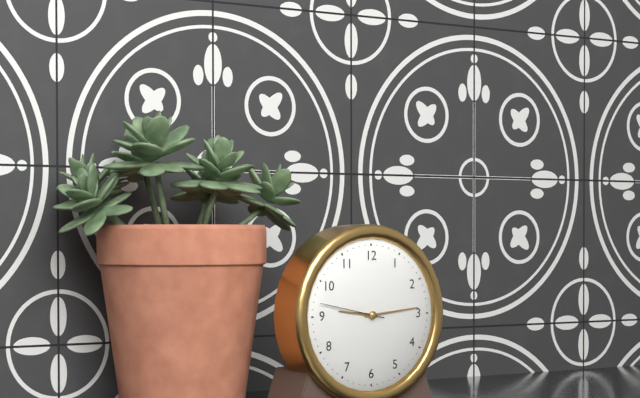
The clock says 9,14,47
